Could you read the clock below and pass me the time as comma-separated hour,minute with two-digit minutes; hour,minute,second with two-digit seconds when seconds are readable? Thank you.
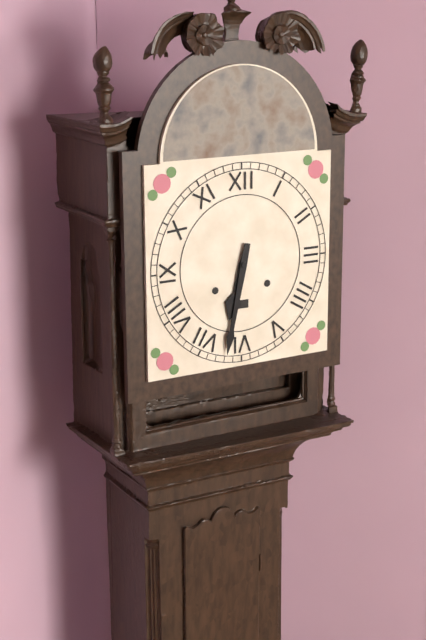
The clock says 6,32
